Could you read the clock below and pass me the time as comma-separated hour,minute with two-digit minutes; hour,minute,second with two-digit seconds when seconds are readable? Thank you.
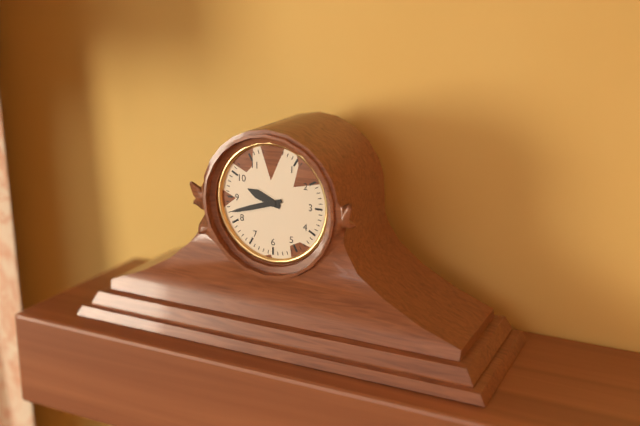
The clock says 9,42
